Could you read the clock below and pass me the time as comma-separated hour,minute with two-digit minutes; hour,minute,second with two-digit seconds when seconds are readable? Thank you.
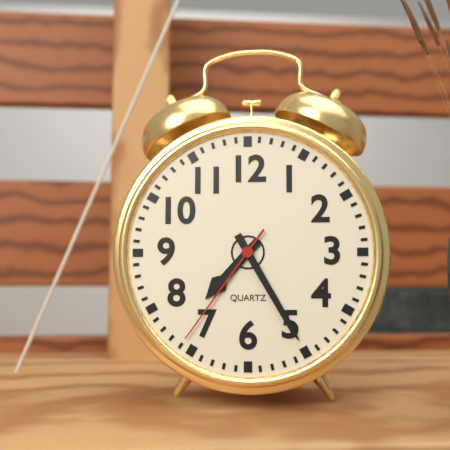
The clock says 7,25,36
